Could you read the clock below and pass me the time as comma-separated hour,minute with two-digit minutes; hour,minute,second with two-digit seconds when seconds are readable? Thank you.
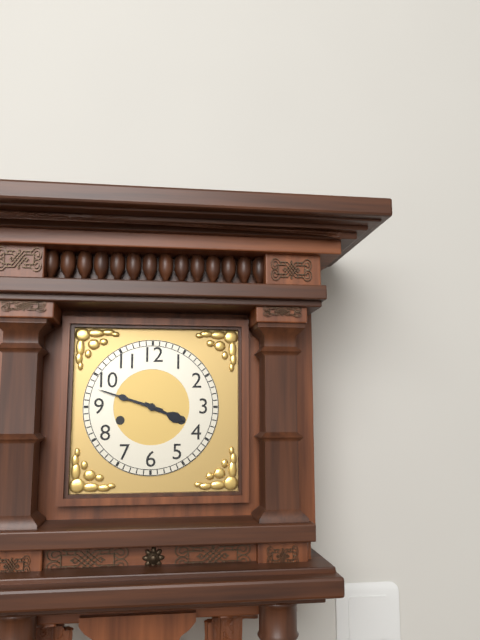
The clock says 3,48
